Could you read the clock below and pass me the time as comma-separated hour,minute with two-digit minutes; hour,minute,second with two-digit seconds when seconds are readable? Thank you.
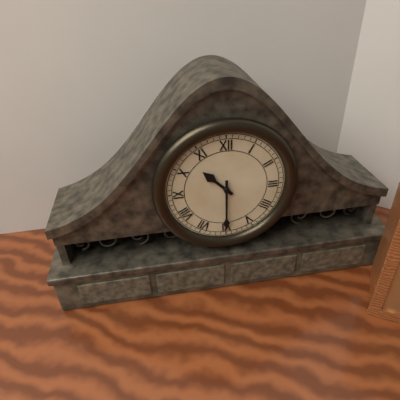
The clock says 10,30
